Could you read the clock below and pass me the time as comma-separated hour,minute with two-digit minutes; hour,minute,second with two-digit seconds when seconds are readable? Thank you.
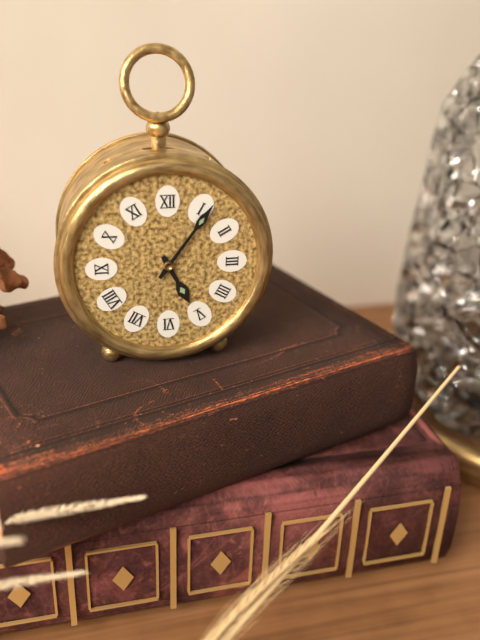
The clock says 5,06
